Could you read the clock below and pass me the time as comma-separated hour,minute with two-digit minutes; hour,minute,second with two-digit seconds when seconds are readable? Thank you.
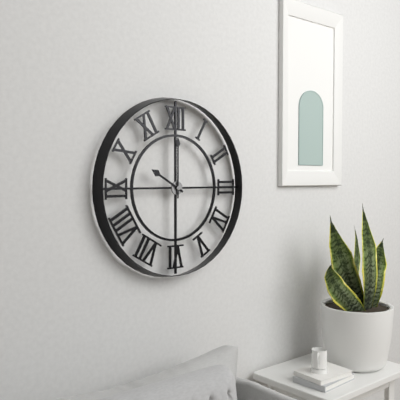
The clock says 10,00
